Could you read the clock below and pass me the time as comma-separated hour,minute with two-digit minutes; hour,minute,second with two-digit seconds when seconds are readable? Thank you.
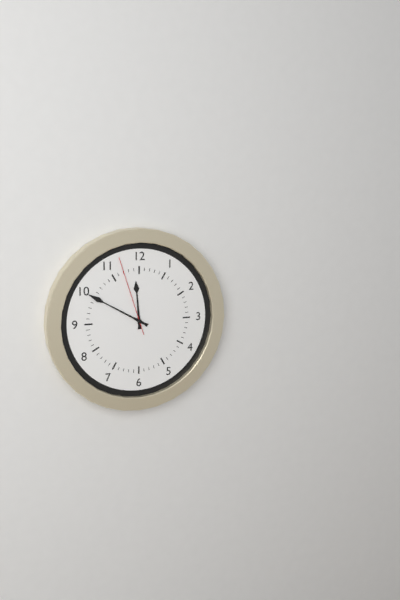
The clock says 11,50,57
